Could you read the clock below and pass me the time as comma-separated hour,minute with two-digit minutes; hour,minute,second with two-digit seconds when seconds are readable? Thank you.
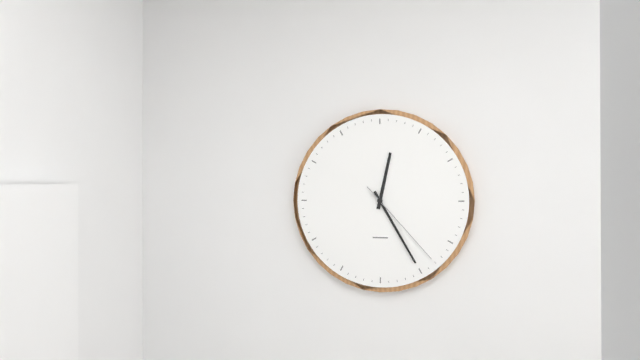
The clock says 12,25,23
